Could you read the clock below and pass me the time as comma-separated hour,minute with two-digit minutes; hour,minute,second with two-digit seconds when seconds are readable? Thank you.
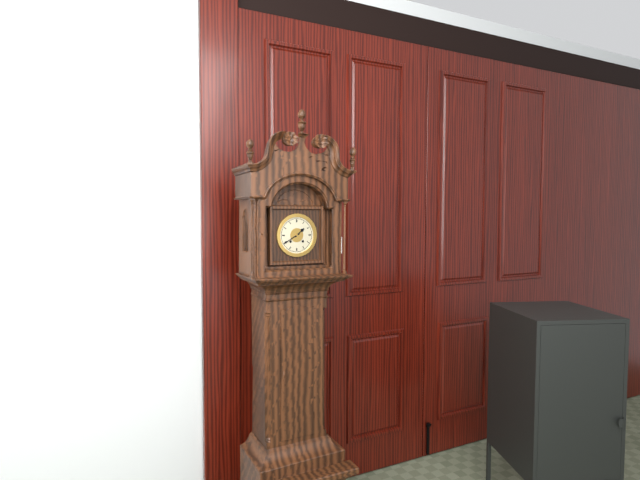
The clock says 1,40
